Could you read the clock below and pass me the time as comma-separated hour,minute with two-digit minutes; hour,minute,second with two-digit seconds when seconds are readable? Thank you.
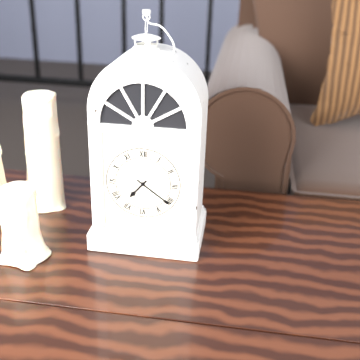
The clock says 7,21
